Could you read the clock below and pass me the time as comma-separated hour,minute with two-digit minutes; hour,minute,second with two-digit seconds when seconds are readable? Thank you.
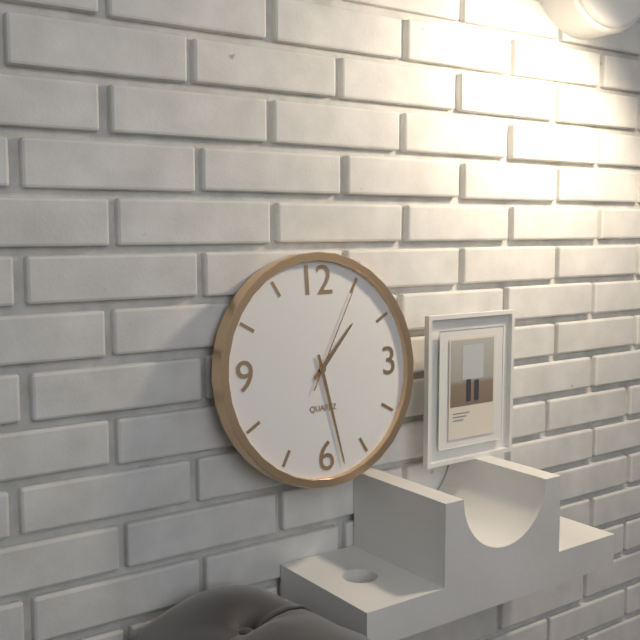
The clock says 1,28,05
